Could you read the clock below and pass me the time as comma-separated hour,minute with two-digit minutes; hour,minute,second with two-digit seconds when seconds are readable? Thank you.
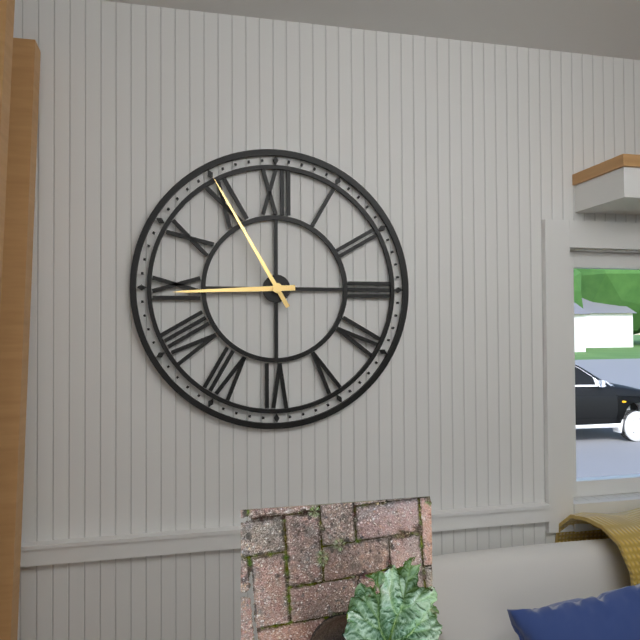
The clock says 8,55
